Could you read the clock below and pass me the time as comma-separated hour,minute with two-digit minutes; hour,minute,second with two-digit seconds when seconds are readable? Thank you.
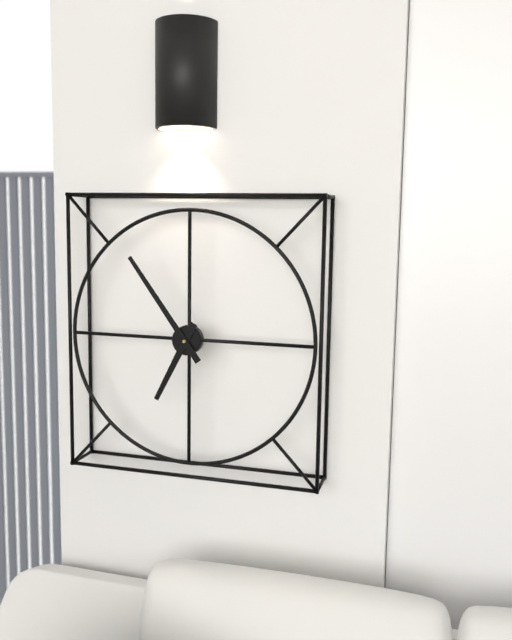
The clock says 6,54
